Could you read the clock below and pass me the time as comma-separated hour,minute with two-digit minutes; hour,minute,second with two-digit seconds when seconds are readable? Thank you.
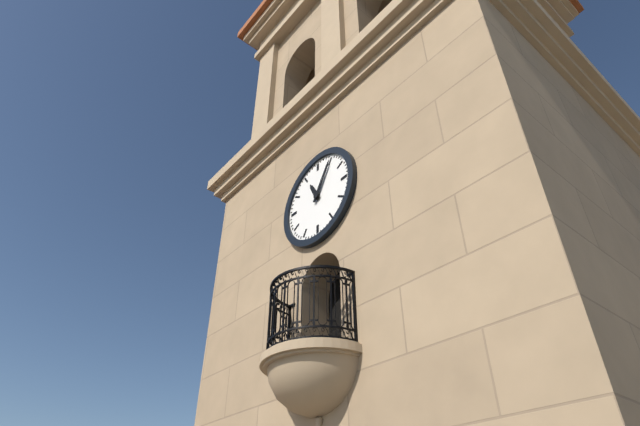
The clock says 11,05
